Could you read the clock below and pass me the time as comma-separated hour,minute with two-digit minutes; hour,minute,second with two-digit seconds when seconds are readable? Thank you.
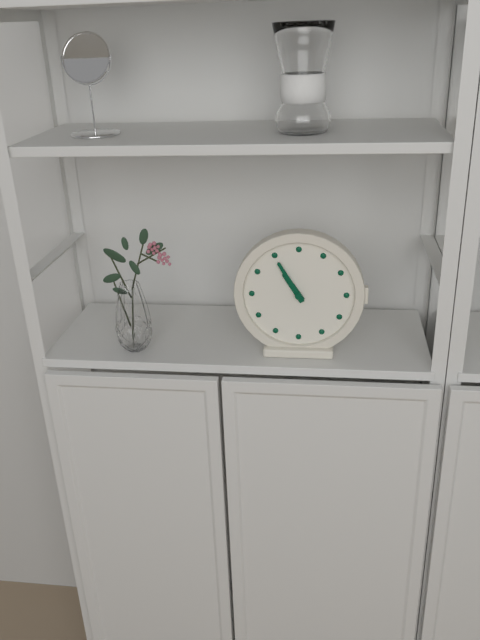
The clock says 10,55
